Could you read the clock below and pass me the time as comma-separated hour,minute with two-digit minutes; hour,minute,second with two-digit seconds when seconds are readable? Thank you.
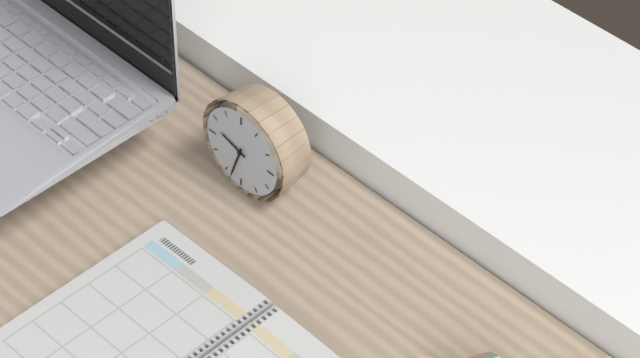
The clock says 9,33
